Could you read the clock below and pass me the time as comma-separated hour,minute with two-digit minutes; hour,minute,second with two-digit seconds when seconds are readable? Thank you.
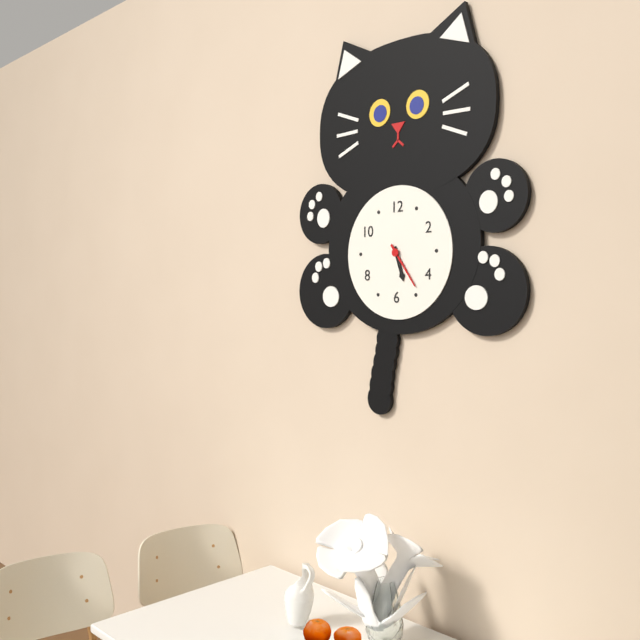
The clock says 5,24
